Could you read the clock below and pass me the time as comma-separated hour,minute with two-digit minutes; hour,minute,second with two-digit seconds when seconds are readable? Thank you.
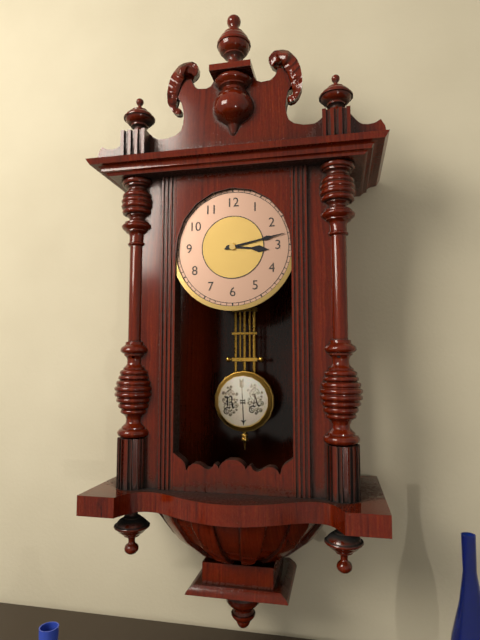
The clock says 3,13
